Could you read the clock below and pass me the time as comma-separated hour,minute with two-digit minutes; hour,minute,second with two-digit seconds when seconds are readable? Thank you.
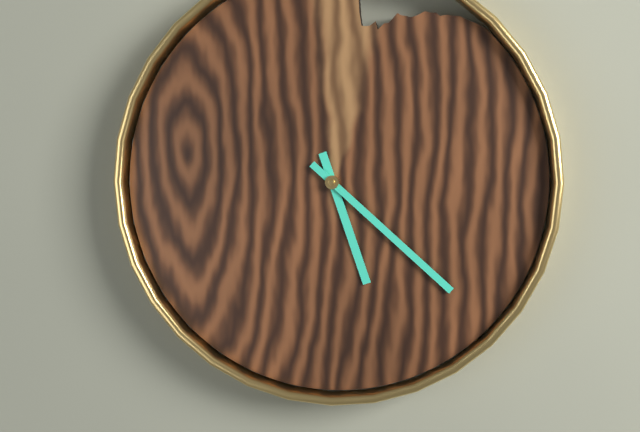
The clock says 5,22
